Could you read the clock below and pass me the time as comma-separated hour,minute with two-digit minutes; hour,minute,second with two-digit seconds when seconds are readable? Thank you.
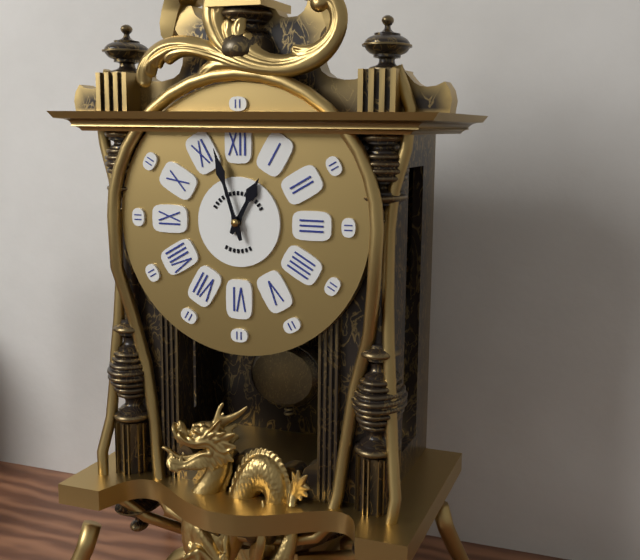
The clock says 12,57
